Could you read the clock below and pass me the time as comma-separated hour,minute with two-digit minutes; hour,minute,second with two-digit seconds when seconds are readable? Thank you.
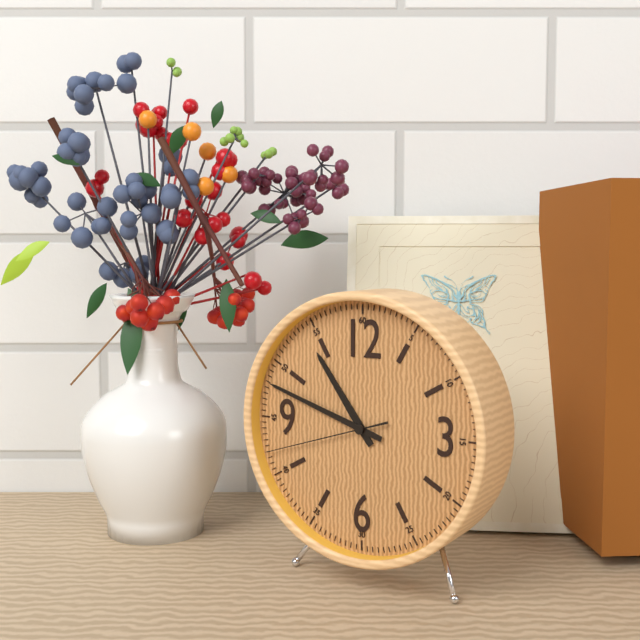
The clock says 10,48,42
